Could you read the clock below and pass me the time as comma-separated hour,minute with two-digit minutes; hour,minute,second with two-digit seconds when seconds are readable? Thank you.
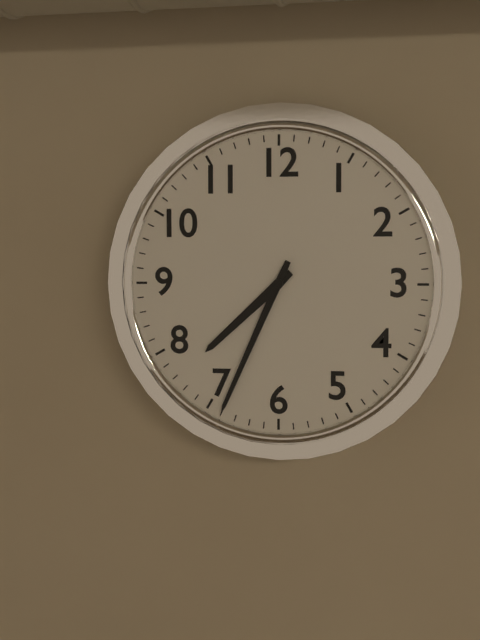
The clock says 7,34
